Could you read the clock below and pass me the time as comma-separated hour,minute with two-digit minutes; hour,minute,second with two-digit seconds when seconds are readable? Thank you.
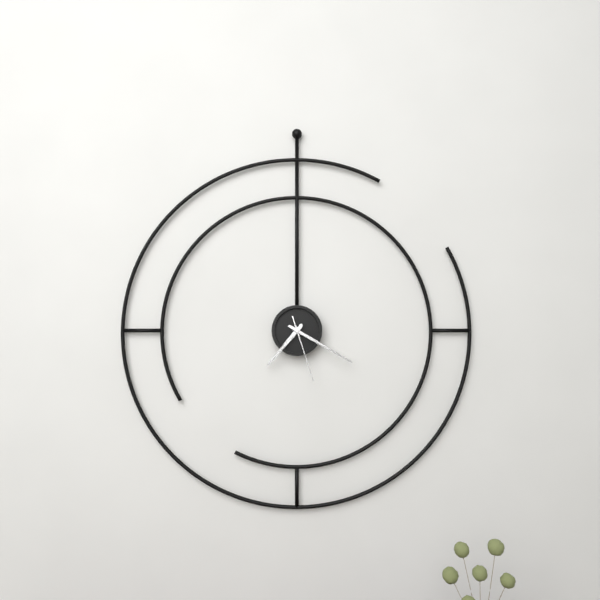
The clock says 7,20,27
